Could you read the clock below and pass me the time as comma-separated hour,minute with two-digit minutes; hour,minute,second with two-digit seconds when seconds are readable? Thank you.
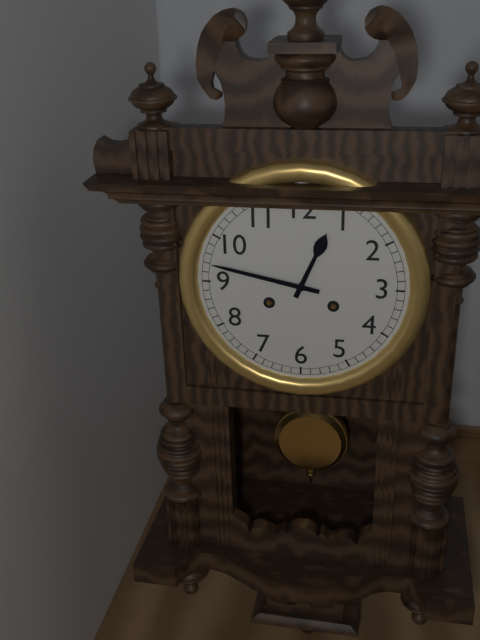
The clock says 12,47
